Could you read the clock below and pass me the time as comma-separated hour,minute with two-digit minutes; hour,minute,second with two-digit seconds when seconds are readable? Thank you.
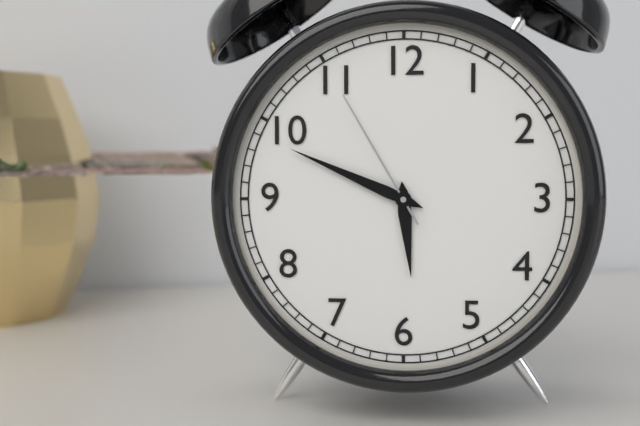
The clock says 5,49,55
